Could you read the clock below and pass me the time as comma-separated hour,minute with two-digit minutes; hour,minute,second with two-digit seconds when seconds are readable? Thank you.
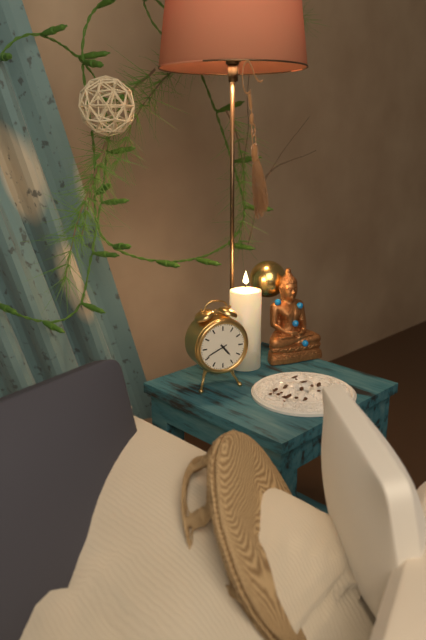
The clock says 4,41
